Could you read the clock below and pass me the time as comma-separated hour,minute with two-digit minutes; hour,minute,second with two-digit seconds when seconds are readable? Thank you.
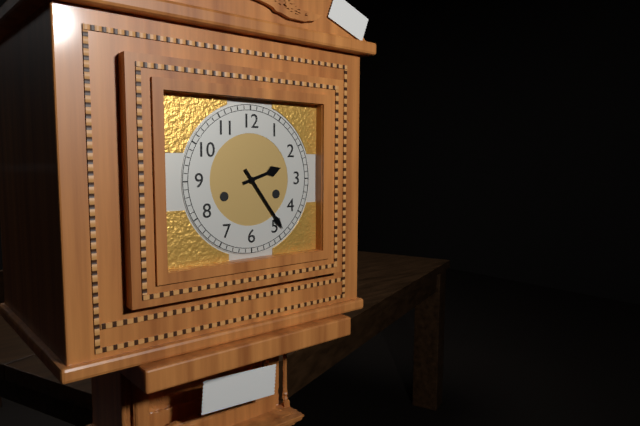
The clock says 2,24
